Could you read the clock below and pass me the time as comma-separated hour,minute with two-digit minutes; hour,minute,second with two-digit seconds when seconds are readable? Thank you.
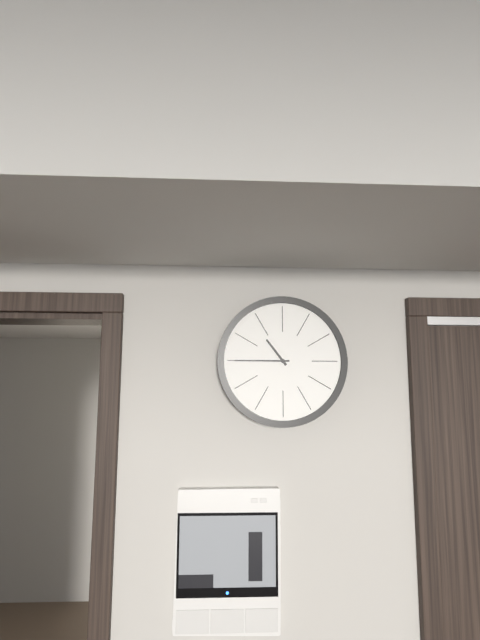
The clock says 10,45
